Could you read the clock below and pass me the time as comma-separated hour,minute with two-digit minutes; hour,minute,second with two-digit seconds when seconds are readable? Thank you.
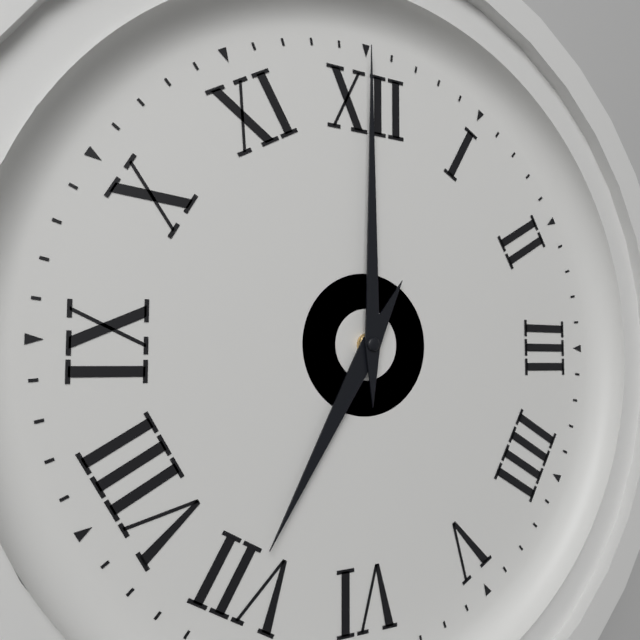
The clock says 7,00
